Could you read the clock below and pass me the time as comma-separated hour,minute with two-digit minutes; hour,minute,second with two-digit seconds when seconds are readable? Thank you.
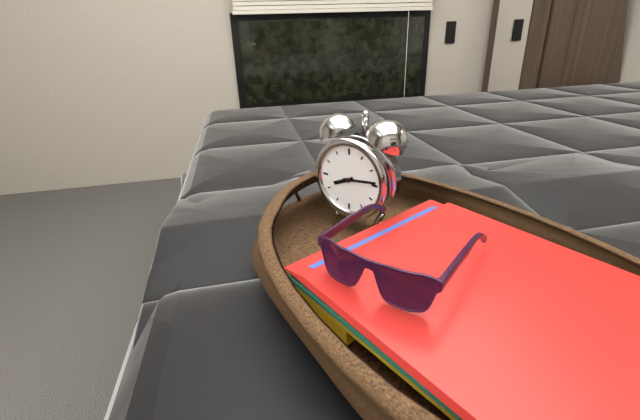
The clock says 8,14
